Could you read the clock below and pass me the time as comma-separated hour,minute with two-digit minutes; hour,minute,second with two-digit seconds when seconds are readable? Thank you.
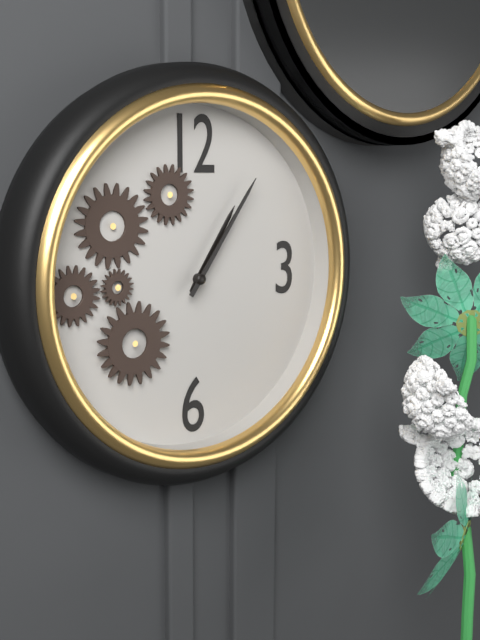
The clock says 1,06
